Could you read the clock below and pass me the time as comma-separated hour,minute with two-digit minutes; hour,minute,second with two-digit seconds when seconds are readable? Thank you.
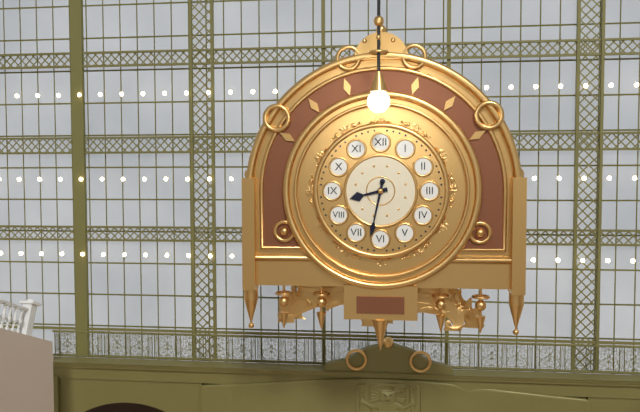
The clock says 8,32
